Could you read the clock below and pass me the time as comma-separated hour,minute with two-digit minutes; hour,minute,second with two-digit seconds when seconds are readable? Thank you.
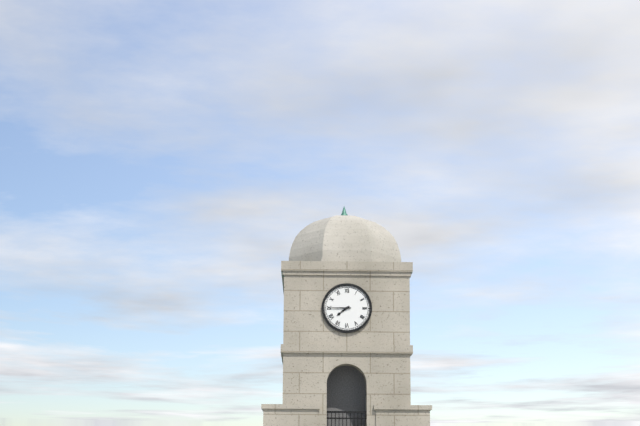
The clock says 7,45
